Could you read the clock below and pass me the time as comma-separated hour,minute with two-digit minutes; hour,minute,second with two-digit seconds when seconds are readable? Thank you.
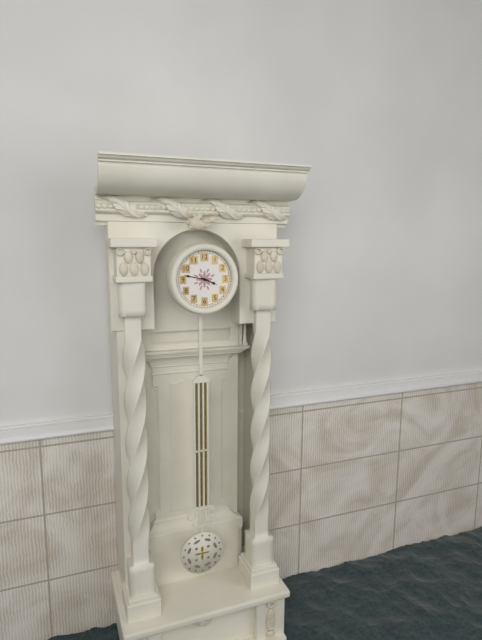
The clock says 3,47
